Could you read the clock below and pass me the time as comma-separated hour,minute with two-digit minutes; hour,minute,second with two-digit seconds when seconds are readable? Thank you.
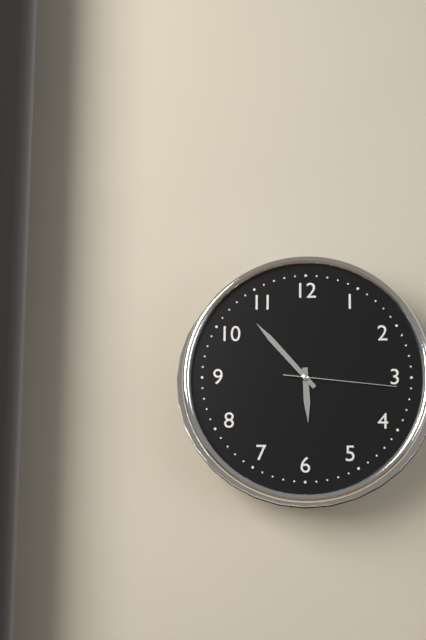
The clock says 5,53,16
